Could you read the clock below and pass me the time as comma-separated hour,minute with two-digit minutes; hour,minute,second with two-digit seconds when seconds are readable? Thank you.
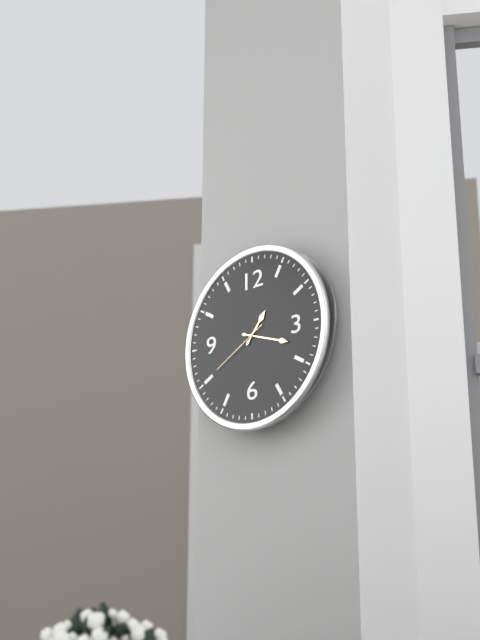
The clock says 1,18,40
